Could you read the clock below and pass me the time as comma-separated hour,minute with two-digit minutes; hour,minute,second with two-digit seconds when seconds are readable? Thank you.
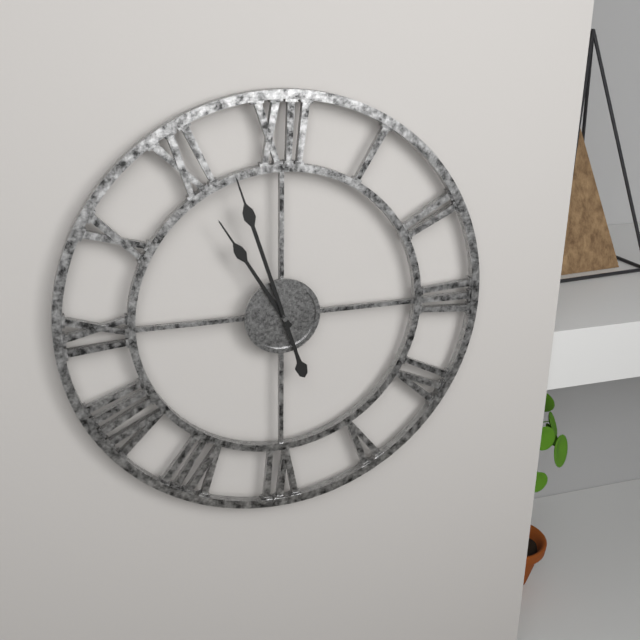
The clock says 10,57
